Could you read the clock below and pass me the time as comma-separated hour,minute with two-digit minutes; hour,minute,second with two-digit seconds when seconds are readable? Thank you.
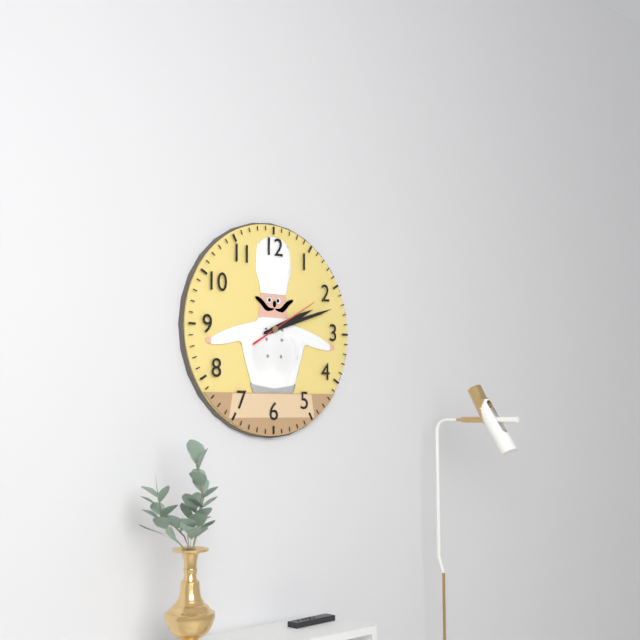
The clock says 2,12,10
